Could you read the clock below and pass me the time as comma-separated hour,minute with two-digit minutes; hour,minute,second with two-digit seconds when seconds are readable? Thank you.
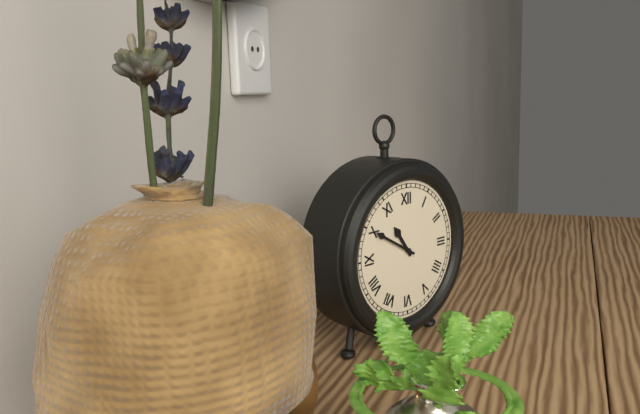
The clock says 10,50
